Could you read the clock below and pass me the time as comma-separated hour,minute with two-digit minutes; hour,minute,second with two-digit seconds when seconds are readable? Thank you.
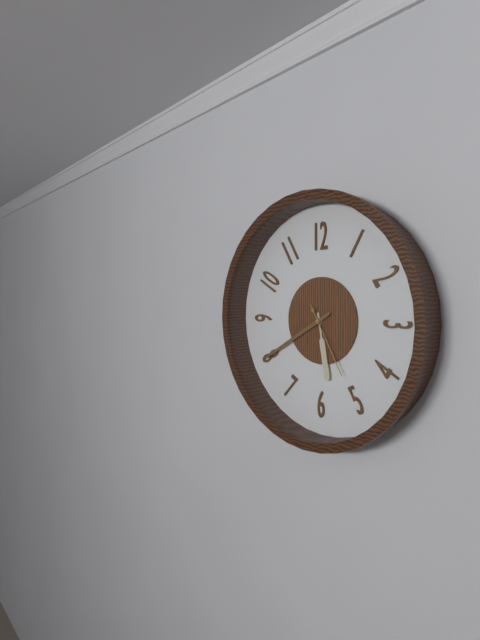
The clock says 5,40,25
